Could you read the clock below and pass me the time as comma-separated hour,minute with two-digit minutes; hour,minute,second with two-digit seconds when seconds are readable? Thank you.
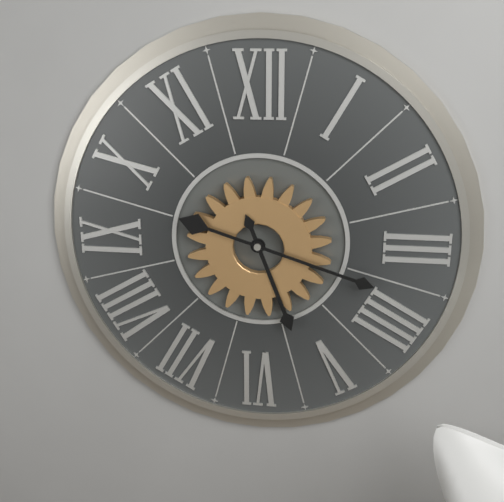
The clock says 5,18
